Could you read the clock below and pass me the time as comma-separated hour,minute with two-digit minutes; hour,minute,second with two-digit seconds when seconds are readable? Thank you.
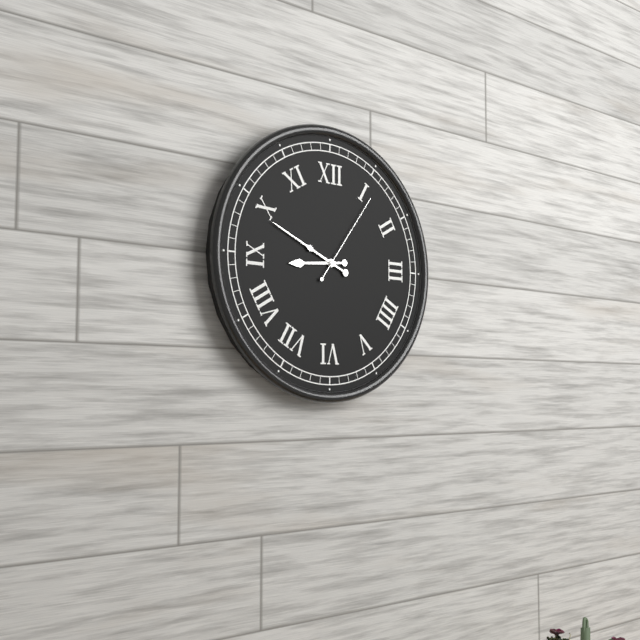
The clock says 8,49,06
